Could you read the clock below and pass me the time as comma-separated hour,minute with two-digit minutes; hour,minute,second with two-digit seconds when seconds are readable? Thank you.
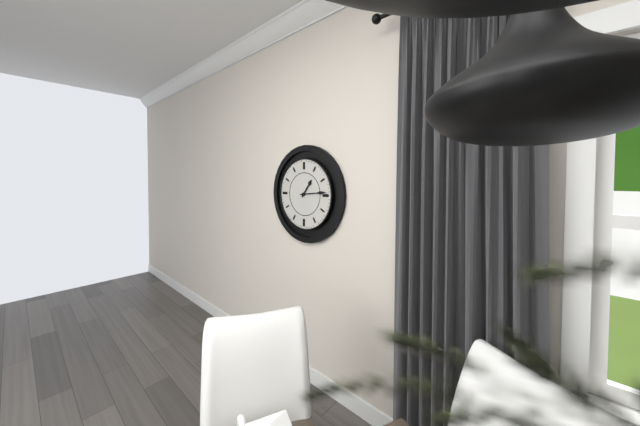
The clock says 1,14
